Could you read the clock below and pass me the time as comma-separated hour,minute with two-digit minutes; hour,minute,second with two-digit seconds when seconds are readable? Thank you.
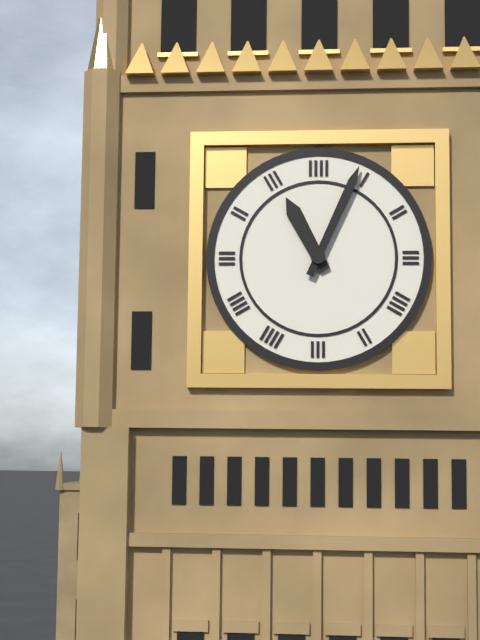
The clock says 11,04
